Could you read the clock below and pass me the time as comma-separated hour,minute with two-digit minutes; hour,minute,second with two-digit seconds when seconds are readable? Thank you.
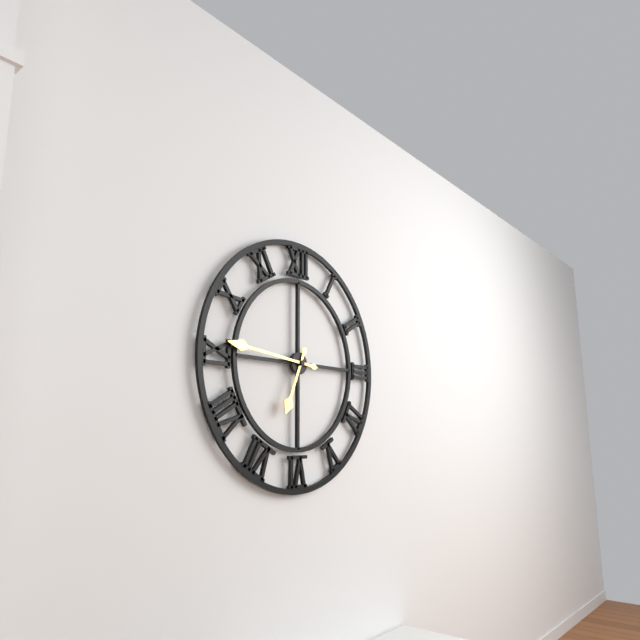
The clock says 6,46
